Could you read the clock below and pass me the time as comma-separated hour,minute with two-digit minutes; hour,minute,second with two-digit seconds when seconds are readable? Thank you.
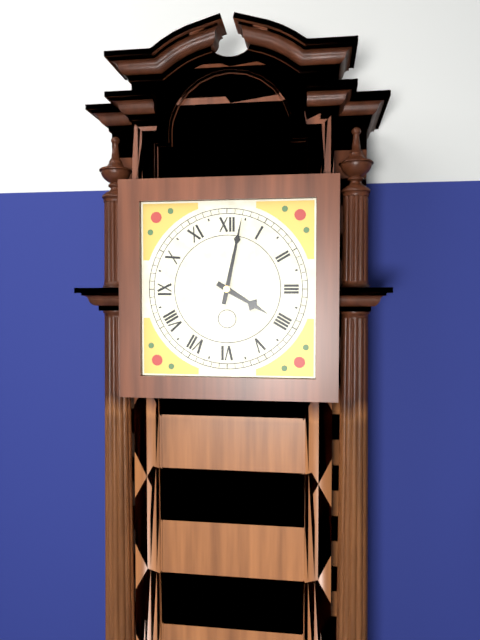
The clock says 4,02
